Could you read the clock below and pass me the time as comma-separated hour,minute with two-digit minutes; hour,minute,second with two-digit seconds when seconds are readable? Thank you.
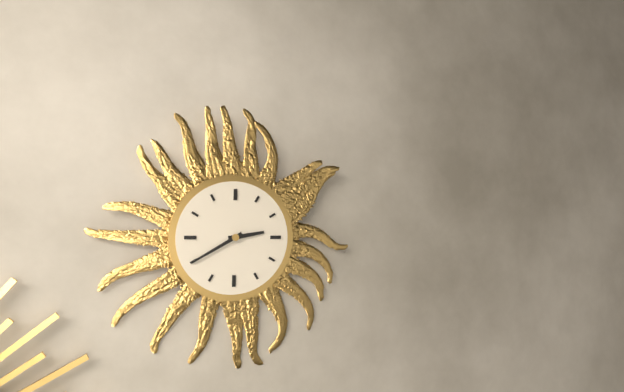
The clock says 2,40
